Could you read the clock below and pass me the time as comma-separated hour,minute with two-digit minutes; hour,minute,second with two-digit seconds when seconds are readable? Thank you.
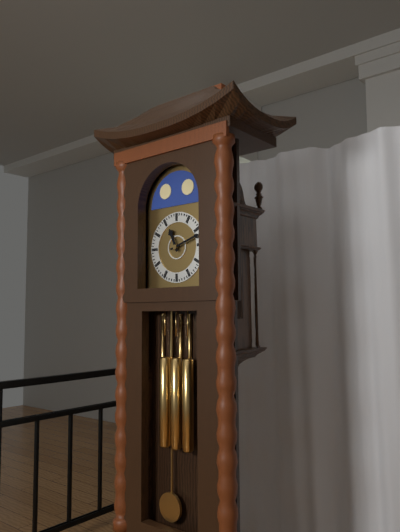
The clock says 11,12
